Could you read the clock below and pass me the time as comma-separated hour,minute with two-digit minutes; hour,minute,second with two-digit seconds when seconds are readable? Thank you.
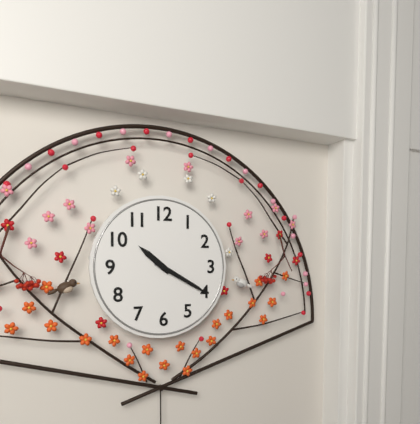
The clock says 10,20
